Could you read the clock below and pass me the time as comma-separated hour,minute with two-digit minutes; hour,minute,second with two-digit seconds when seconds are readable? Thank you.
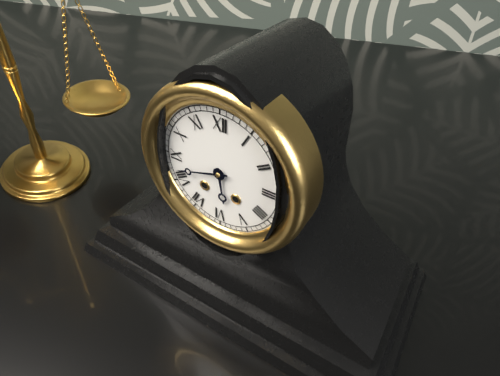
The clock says 5,42
